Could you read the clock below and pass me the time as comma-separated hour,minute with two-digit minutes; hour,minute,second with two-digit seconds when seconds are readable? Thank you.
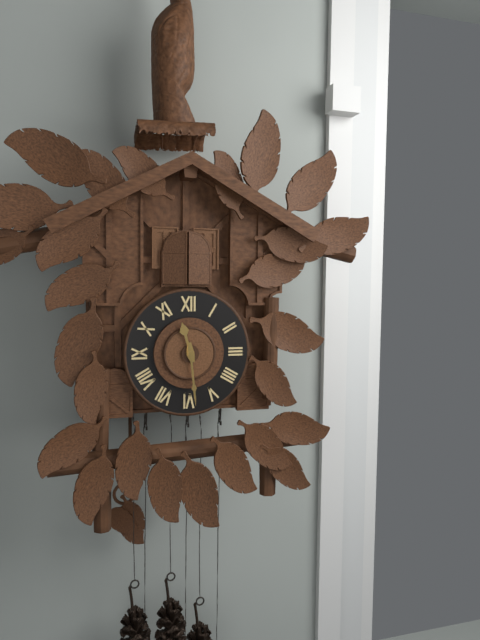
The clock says 11,29
